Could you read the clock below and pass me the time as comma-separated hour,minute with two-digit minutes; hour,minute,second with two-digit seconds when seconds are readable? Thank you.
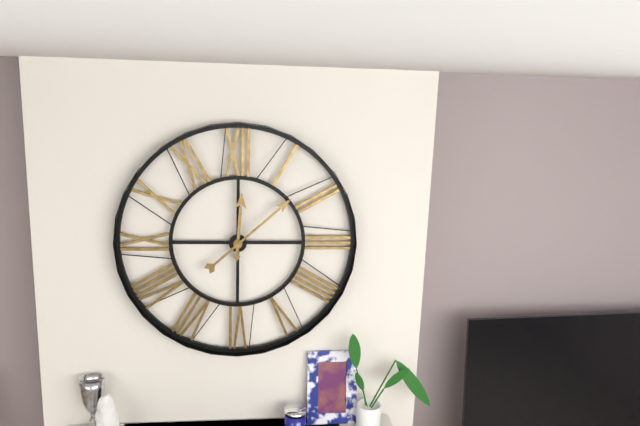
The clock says 12,08
